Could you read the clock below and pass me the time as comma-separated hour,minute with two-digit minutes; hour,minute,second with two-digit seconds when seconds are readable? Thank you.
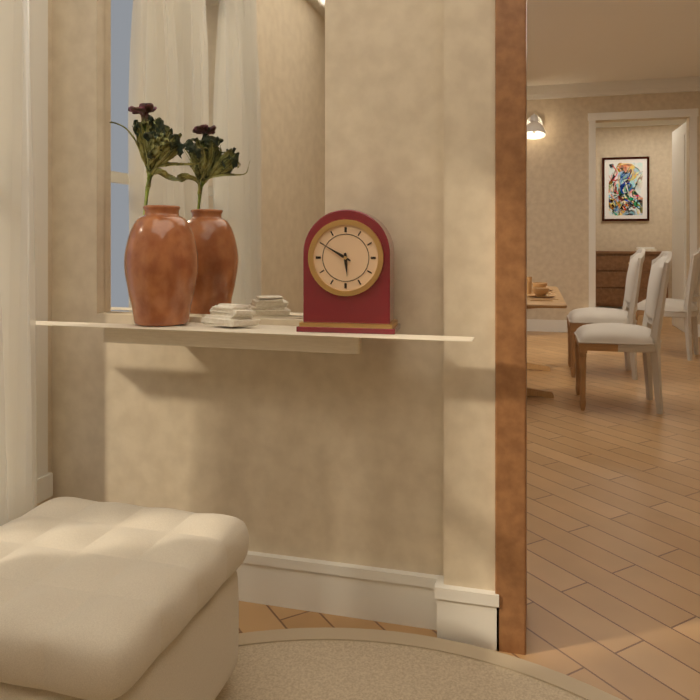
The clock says 5,50
